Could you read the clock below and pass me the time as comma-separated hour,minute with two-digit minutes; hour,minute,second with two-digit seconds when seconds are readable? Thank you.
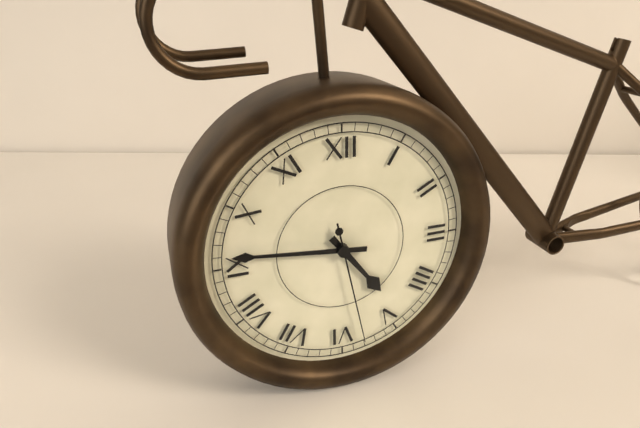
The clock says 4,46,28
